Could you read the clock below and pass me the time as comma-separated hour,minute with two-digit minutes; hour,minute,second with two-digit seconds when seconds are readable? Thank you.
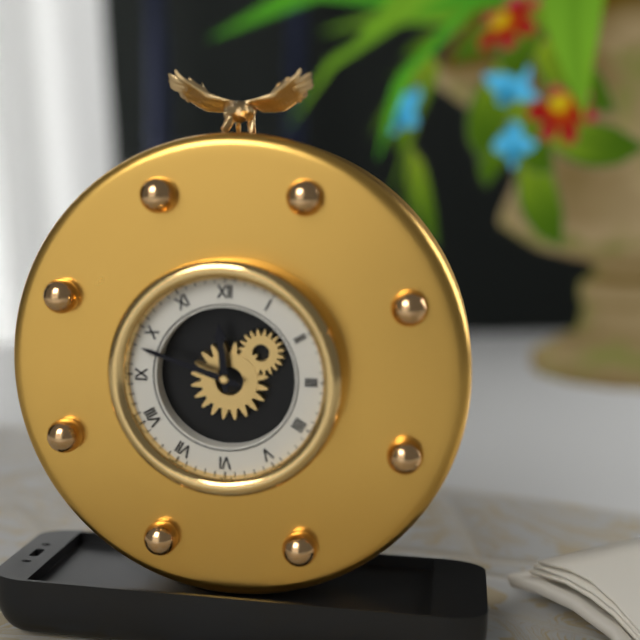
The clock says 11,48
